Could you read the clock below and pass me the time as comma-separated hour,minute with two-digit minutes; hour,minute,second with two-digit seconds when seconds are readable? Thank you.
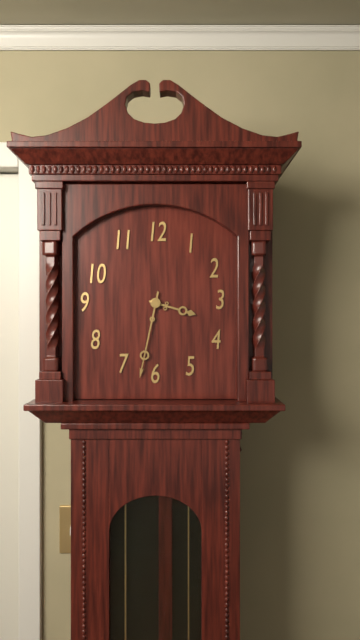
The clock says 3,32
